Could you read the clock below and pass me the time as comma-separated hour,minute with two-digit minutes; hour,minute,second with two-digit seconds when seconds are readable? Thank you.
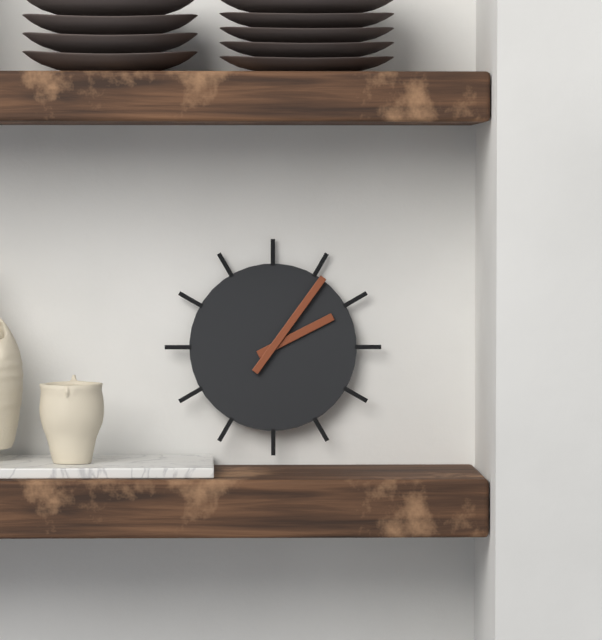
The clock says 2,06
